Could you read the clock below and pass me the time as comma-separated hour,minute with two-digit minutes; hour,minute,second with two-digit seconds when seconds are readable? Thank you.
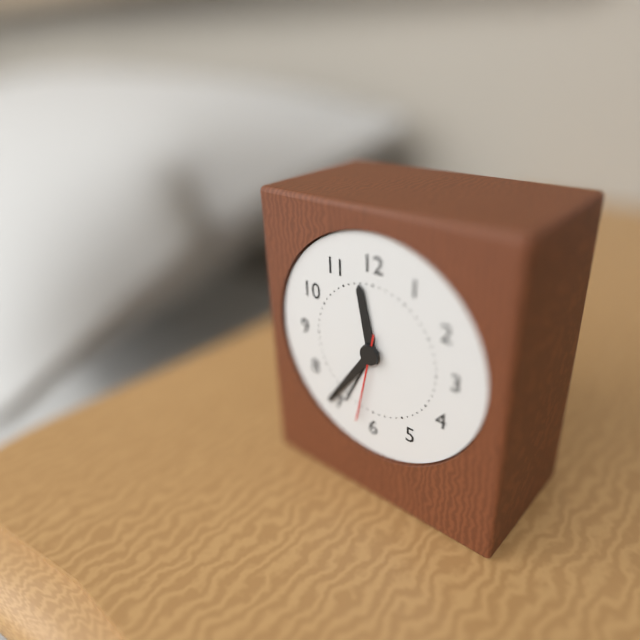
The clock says 11,36,32
